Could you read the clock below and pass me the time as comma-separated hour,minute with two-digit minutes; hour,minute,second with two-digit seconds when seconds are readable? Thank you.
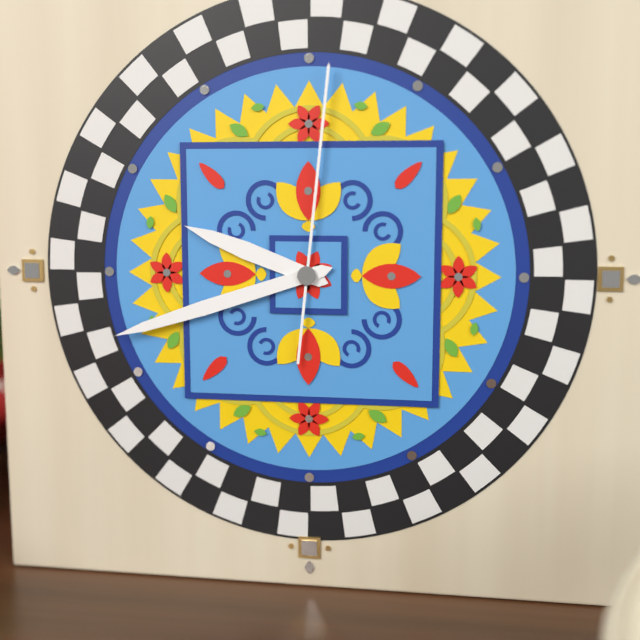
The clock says 9,42,01
